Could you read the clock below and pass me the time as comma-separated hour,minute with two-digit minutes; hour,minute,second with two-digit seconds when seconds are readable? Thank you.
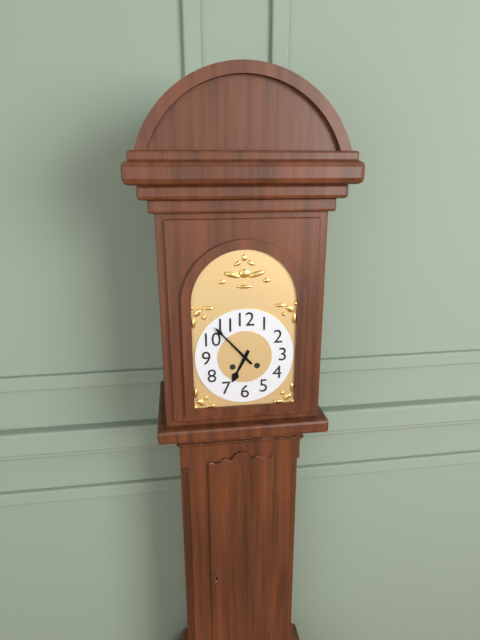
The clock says 6,53
